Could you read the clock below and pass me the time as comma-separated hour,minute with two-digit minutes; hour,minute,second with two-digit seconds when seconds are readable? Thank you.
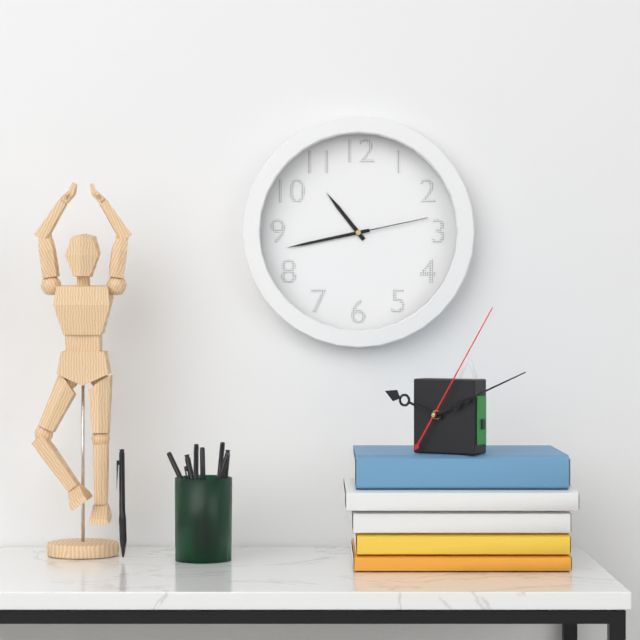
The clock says 10,43,13
